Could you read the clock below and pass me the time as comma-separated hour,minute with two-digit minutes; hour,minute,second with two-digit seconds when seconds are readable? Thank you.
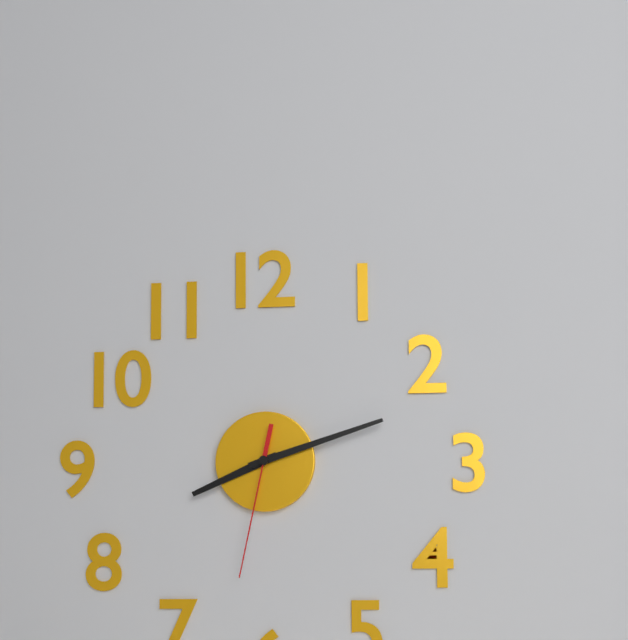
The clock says 8,12,32
